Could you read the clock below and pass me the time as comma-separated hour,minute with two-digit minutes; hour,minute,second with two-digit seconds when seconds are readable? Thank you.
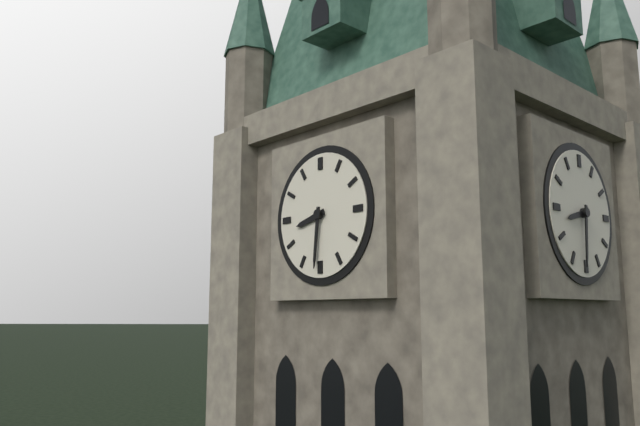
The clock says 8,31
